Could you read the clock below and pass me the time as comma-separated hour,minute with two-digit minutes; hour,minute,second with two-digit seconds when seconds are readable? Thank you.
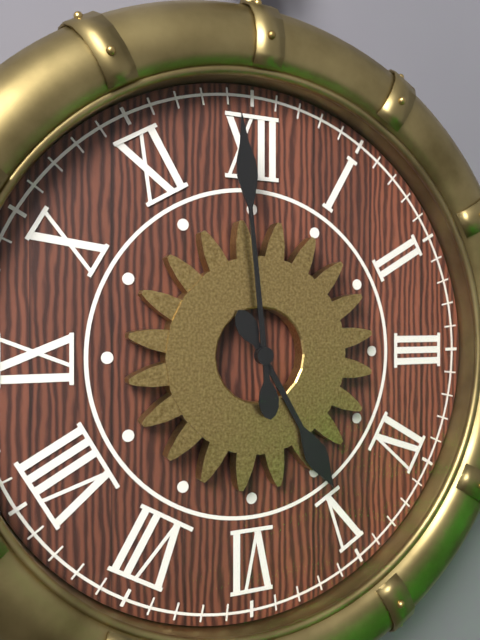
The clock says 4,59
